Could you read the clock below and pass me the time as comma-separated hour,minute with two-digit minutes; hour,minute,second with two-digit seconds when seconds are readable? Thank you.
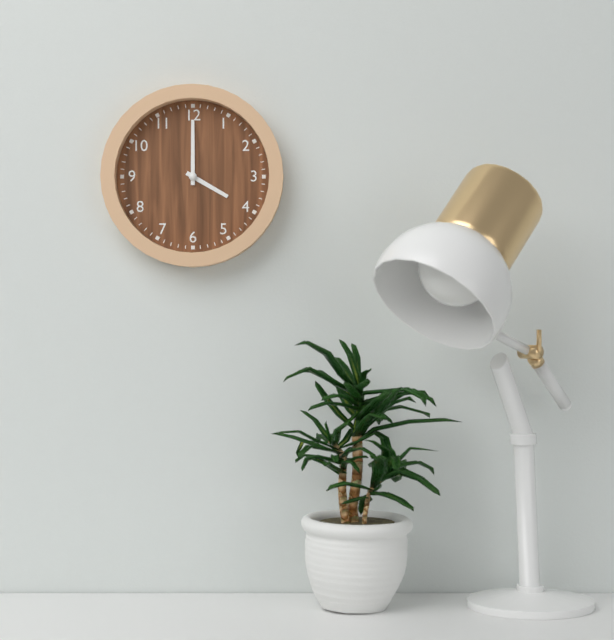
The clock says 4,00
